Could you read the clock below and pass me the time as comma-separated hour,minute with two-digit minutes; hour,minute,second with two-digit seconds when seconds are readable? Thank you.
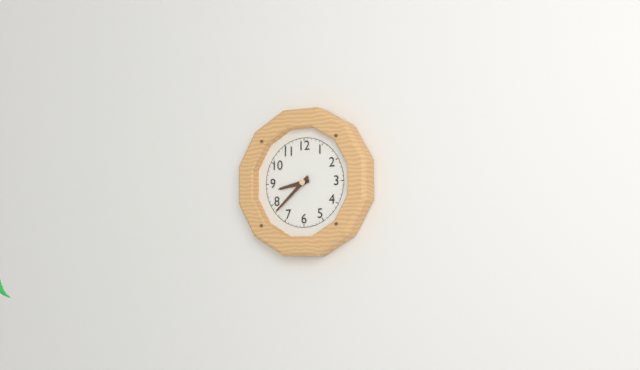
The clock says 8,38
